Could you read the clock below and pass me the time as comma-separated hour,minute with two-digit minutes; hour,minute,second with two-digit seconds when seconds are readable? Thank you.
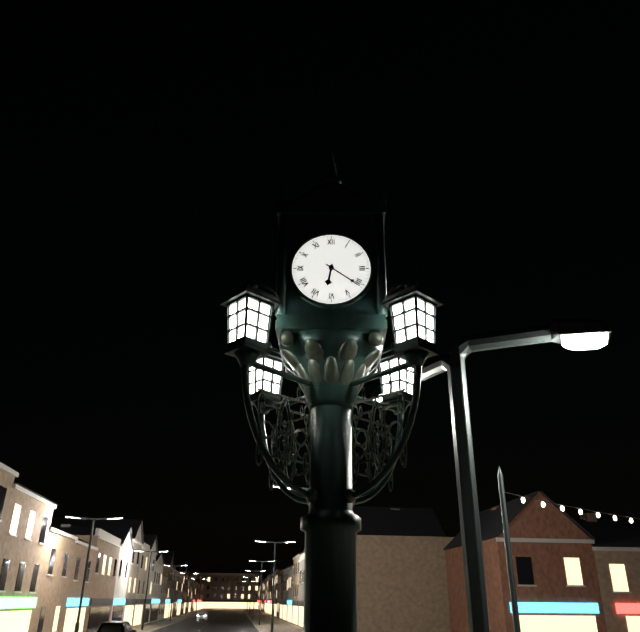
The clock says 6,21
